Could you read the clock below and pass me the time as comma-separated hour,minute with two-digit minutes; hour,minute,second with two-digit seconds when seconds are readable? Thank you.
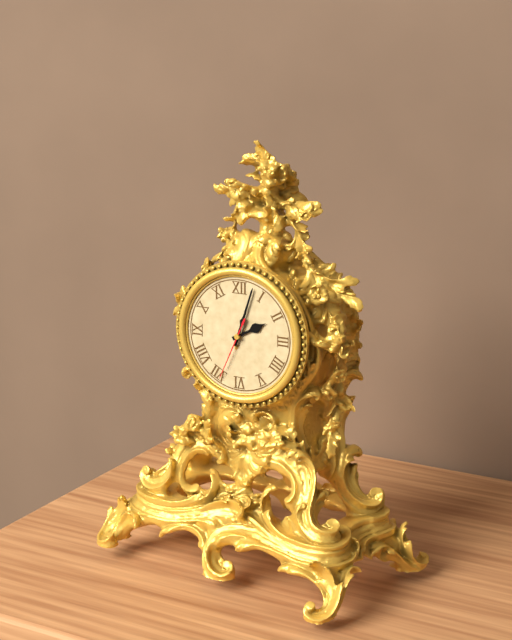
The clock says 2,03,34
